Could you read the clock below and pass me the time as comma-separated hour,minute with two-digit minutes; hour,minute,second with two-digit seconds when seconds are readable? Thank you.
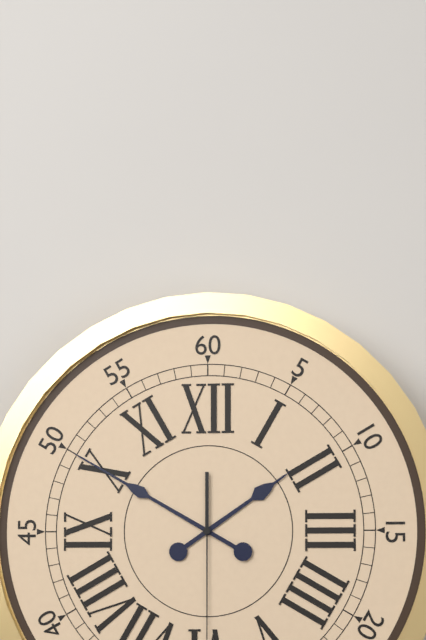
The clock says 1,50
